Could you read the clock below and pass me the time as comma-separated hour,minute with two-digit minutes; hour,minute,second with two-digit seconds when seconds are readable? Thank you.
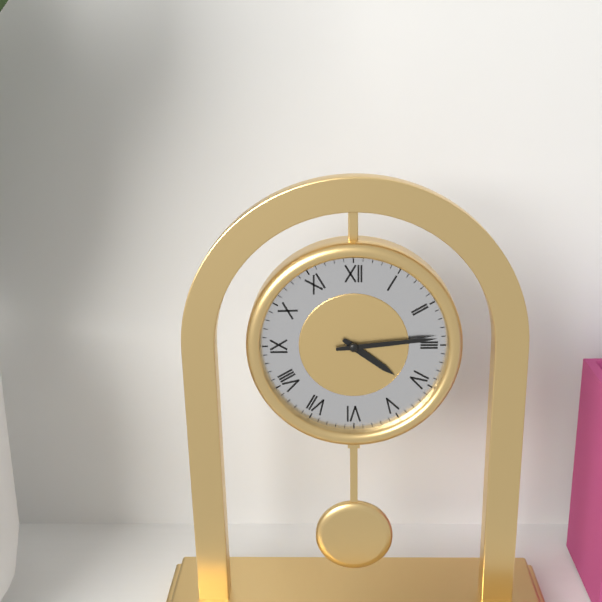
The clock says 4,14
